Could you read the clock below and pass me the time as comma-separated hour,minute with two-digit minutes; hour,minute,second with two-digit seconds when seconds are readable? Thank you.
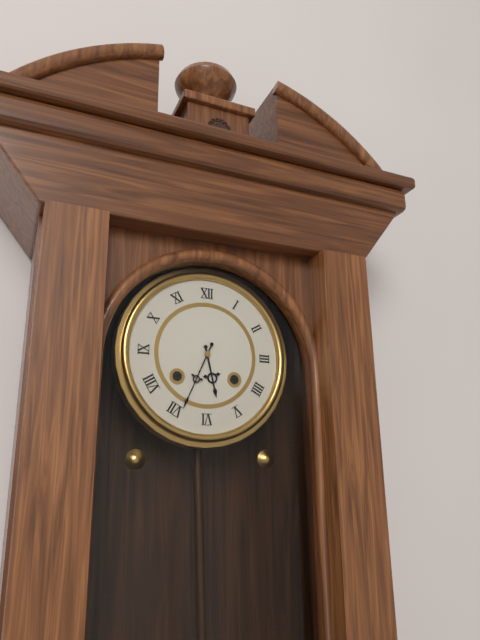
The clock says 5,34
